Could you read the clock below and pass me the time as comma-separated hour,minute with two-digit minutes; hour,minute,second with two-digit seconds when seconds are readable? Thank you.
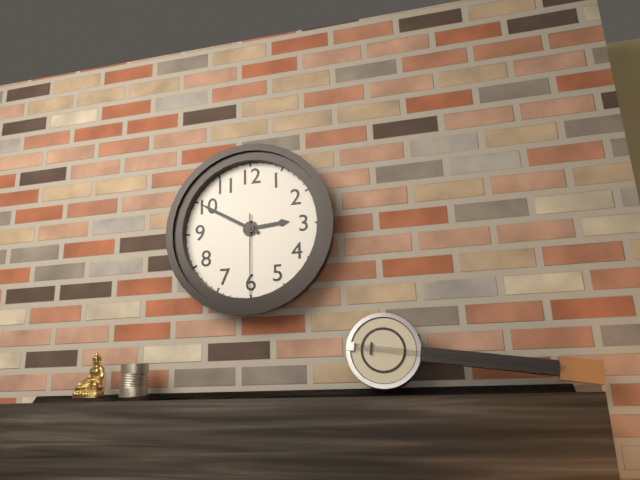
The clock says 2,50,30
